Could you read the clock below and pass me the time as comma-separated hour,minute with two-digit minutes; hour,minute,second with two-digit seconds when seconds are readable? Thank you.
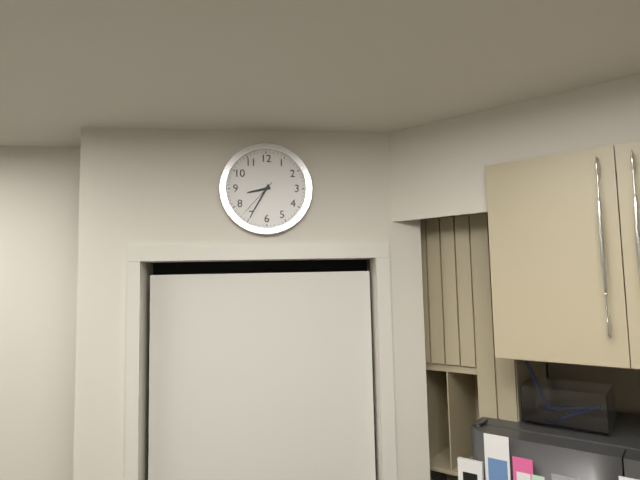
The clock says 8,35
